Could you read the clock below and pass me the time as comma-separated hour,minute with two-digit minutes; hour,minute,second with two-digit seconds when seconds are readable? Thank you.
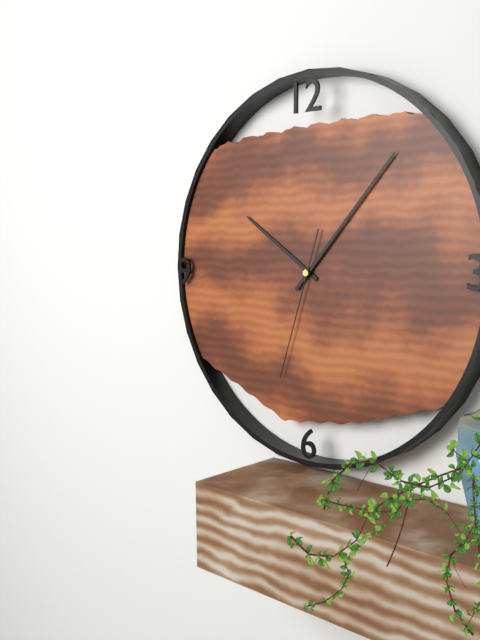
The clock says 10,07,33
